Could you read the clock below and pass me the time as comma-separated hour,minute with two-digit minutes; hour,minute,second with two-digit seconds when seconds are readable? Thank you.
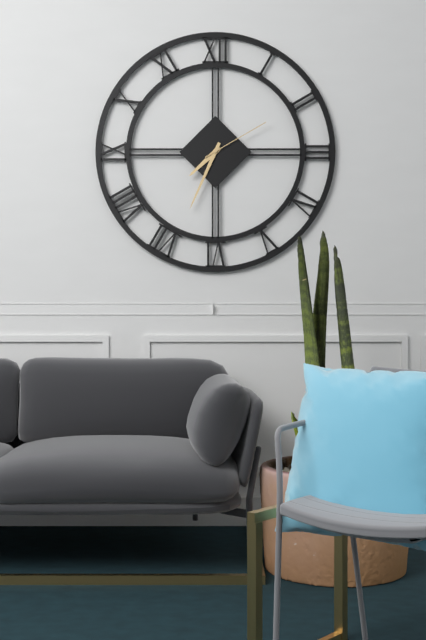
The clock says 7,34,10
